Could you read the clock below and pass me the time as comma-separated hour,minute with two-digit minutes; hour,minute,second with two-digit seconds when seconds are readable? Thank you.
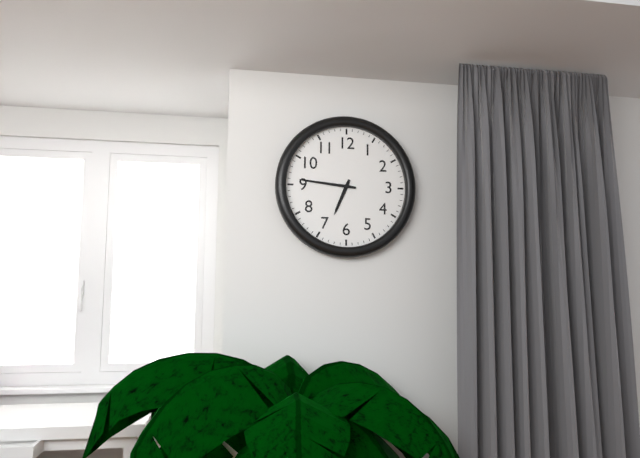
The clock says 6,46
